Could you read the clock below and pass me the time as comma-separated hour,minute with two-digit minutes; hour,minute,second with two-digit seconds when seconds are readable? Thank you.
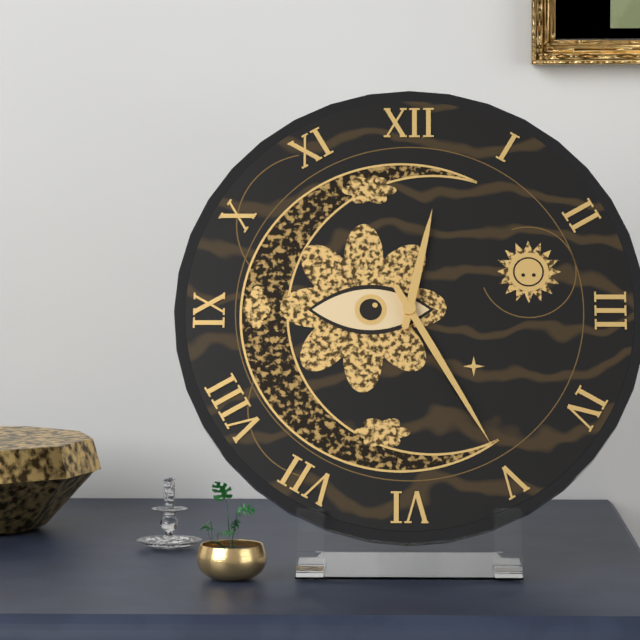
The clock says 12,25
